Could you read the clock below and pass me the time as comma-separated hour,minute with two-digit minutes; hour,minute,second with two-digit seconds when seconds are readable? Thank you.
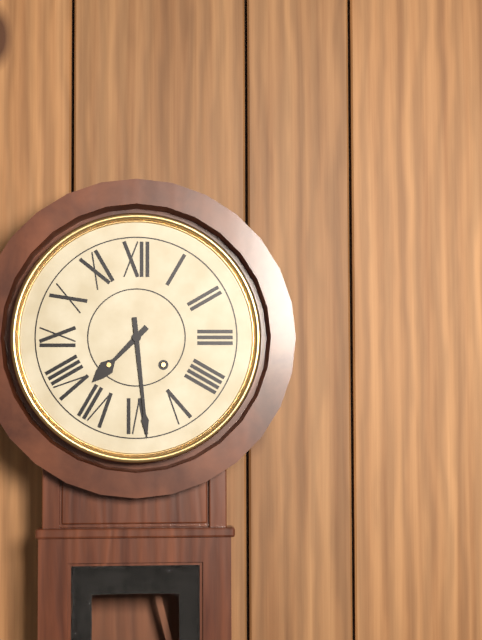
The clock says 7,29
